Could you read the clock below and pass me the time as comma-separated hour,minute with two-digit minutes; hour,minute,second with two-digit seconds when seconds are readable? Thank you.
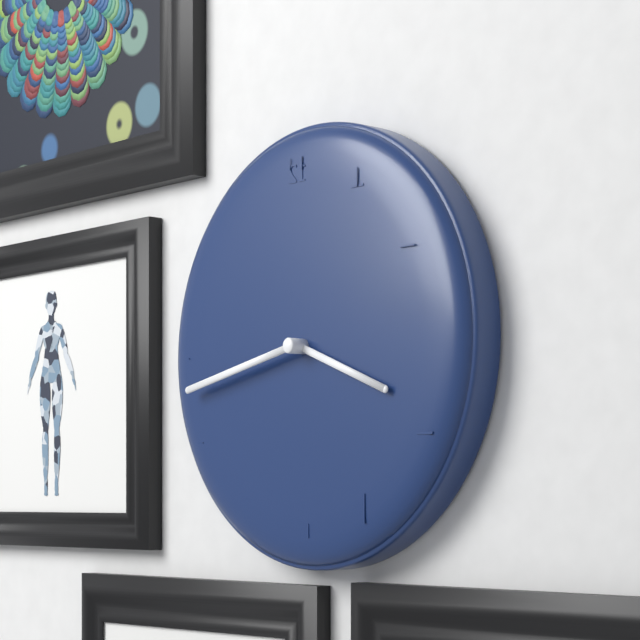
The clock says 3,43
